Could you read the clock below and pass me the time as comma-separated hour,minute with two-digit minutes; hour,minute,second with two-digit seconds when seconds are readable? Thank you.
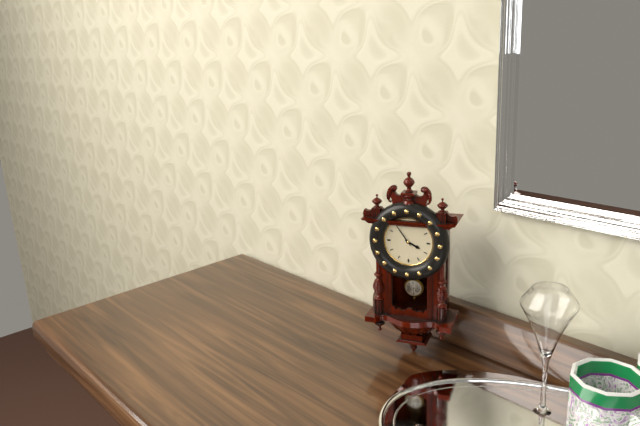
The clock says 3,54
